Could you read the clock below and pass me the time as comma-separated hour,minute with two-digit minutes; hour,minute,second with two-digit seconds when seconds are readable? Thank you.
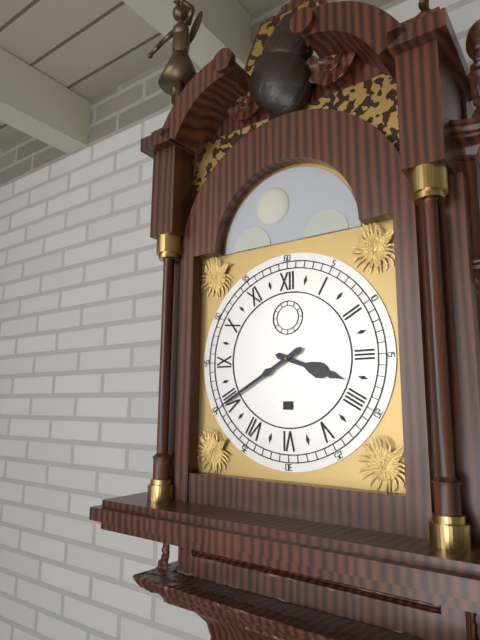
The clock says 3,40
